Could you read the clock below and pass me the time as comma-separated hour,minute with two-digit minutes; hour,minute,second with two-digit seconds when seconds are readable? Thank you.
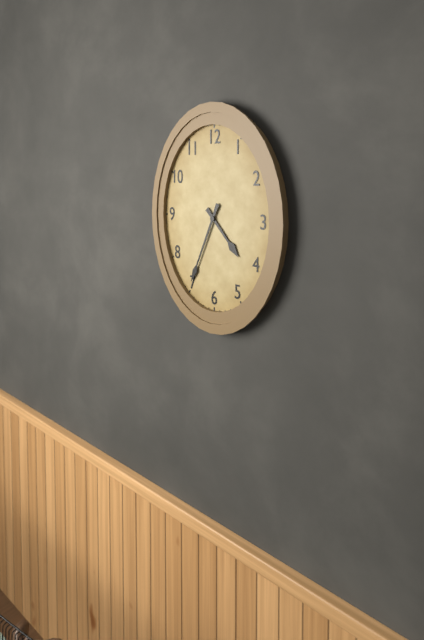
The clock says 4,34
